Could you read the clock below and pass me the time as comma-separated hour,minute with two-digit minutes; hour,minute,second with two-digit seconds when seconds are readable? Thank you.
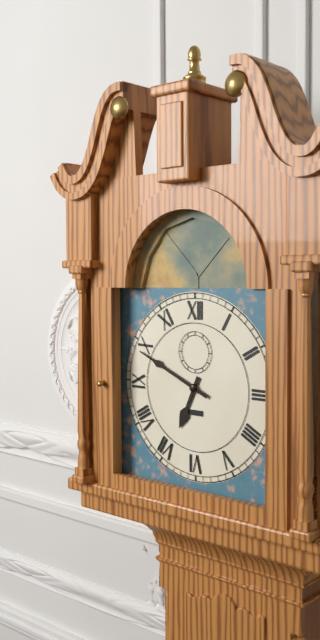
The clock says 6,49
